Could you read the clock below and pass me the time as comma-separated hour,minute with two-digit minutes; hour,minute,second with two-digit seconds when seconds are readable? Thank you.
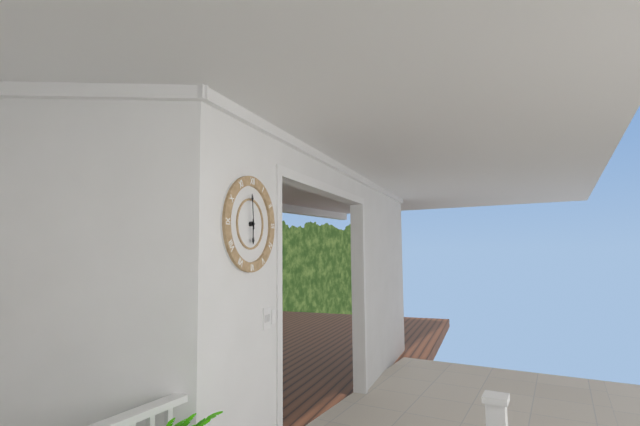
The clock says 5,59
